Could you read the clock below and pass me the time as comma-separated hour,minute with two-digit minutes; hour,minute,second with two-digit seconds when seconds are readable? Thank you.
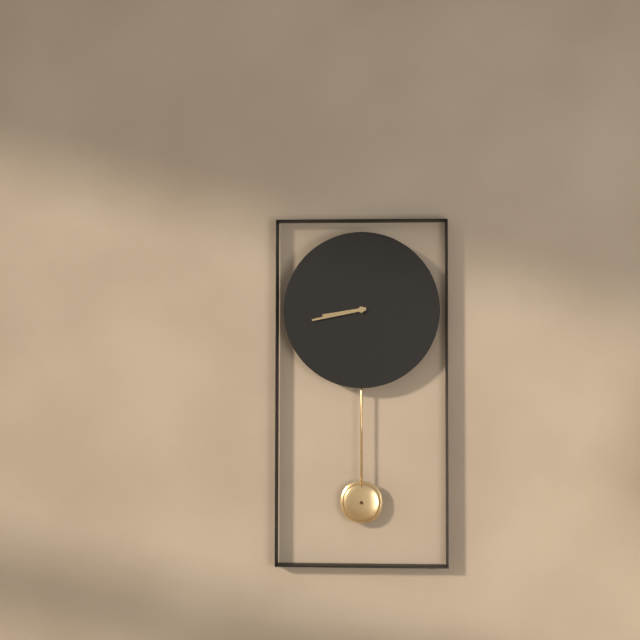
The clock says 8,43
